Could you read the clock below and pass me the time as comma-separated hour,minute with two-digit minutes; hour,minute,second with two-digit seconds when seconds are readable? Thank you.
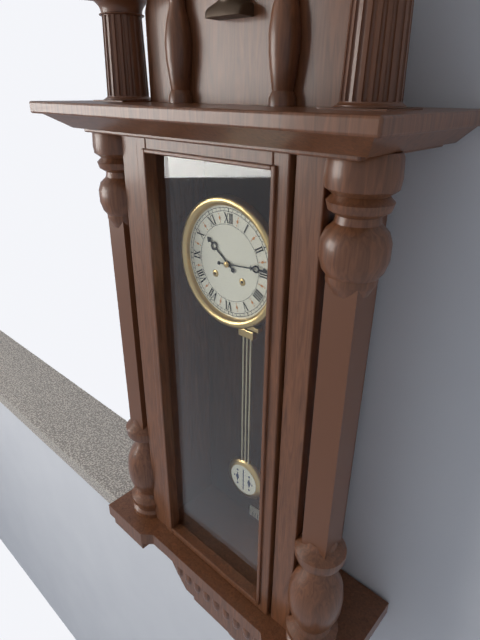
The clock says 10,14
